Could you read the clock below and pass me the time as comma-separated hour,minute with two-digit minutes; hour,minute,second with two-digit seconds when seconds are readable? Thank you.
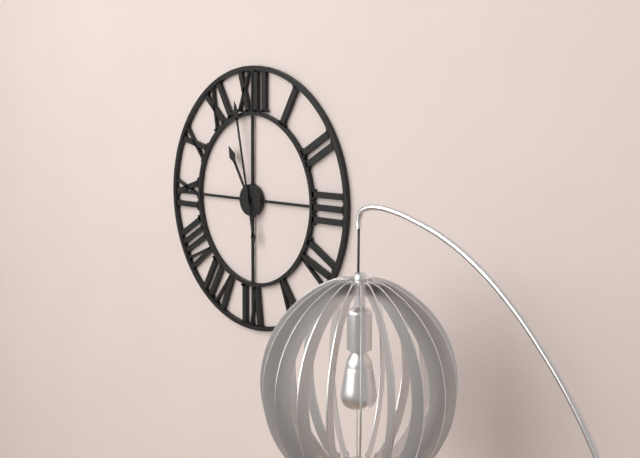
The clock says 10,58
